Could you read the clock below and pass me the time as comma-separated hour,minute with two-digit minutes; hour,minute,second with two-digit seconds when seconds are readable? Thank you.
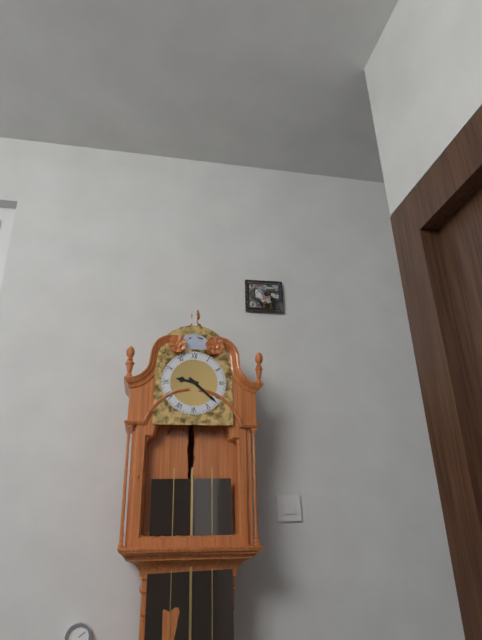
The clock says 9,22
